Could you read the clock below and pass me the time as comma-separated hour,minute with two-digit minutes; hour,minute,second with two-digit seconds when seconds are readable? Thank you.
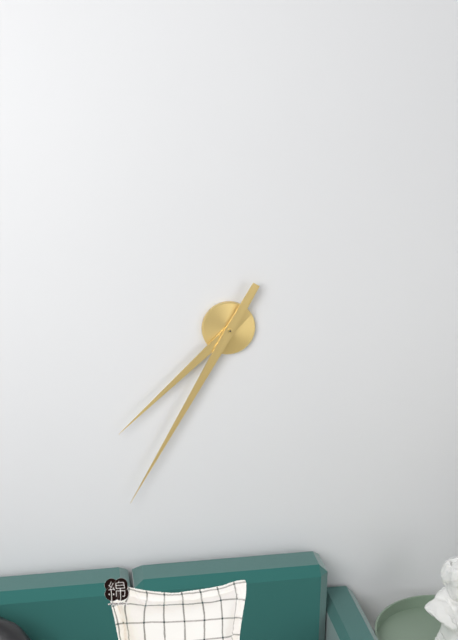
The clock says 7,35
